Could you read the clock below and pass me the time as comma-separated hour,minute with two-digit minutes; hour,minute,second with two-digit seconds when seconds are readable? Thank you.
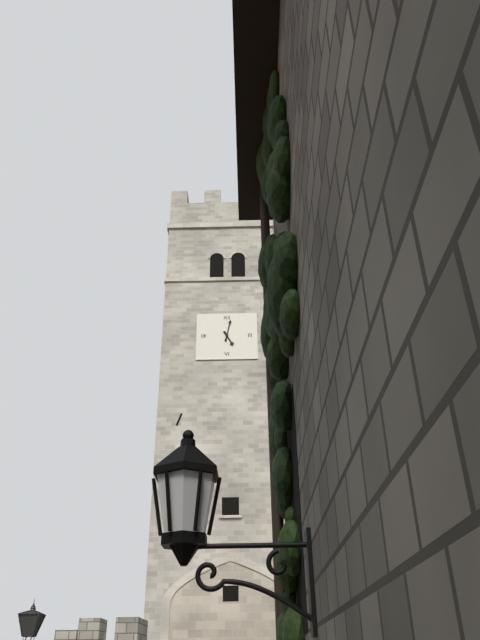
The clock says 5,02
